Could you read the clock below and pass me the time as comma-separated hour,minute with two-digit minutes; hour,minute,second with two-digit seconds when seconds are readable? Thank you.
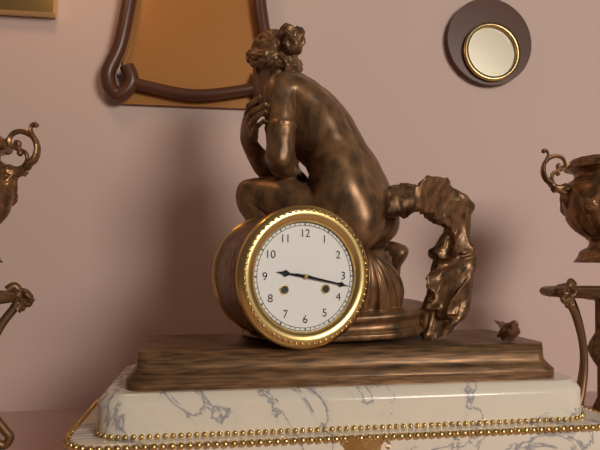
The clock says 9,17
